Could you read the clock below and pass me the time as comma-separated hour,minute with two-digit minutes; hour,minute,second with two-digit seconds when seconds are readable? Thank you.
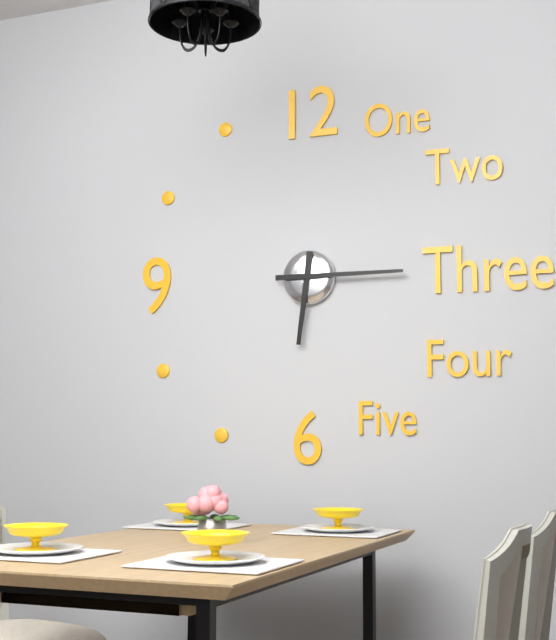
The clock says 6,15
